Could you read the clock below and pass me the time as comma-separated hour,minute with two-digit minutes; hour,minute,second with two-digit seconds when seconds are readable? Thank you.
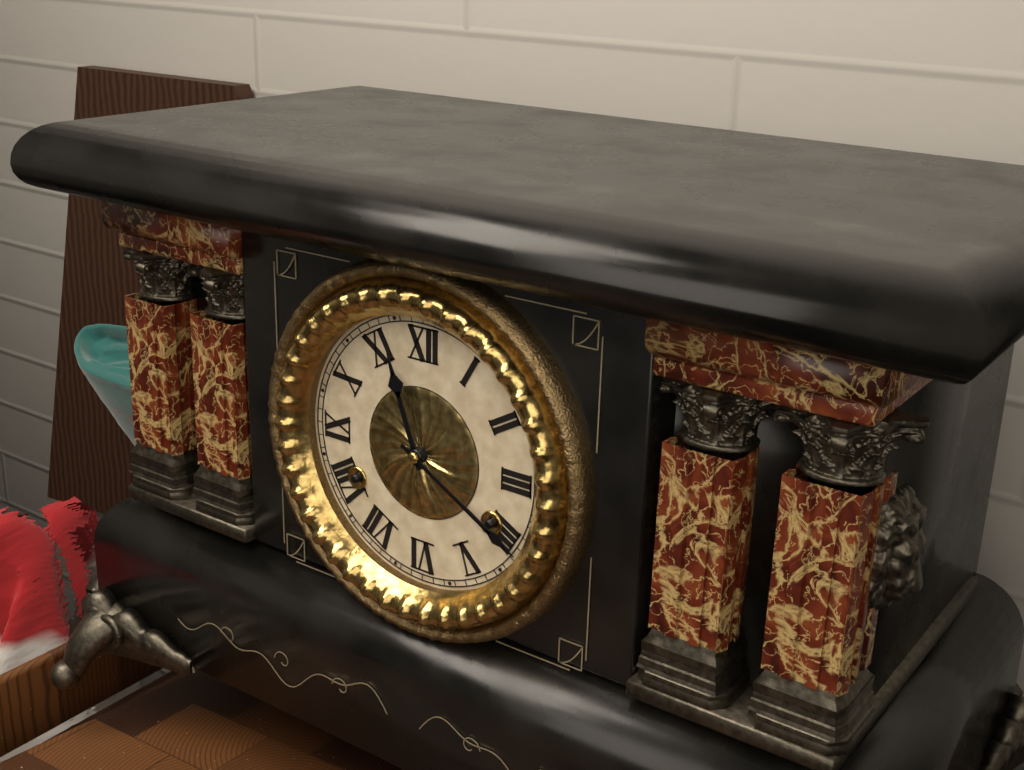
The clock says 11,20
